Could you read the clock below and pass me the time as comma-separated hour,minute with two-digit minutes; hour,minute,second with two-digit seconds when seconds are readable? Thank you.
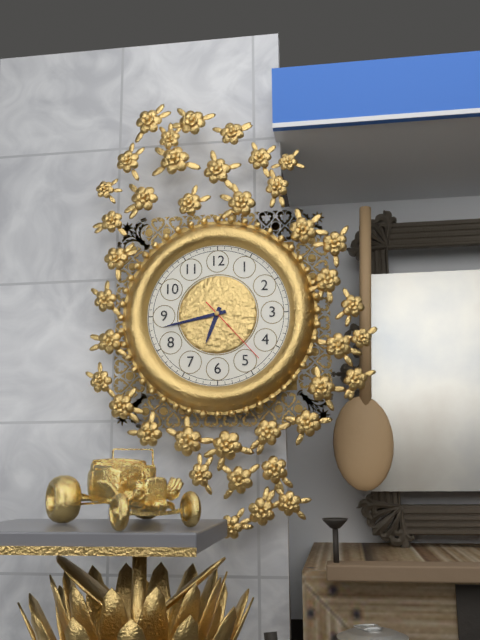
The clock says 6,43,23
